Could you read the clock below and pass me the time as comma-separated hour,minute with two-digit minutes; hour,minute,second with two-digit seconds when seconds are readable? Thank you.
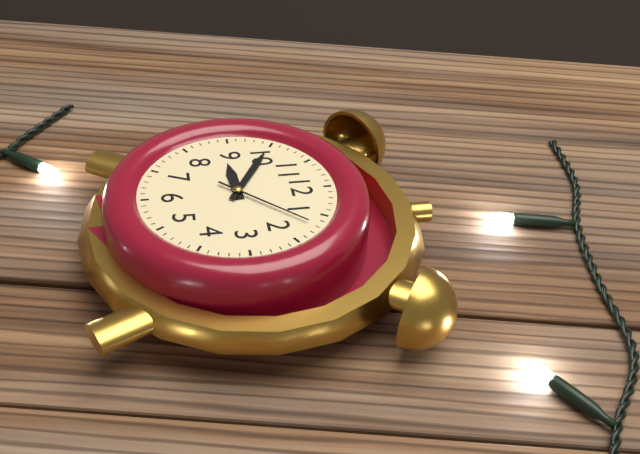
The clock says 8,50,07
